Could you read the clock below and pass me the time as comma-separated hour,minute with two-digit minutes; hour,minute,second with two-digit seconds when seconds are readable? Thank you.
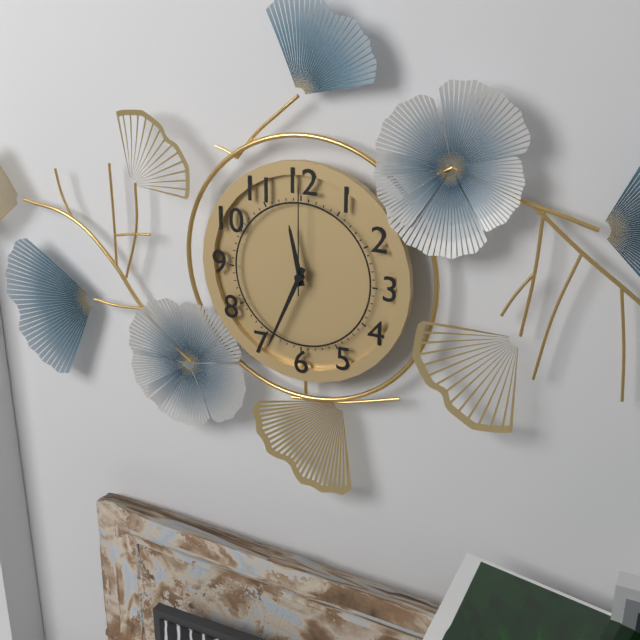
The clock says 11,34,00
